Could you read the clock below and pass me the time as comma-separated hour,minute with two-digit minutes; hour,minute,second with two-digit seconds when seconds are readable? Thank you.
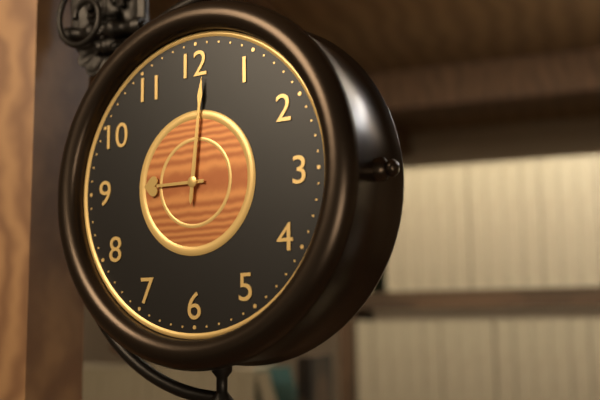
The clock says 9,01
